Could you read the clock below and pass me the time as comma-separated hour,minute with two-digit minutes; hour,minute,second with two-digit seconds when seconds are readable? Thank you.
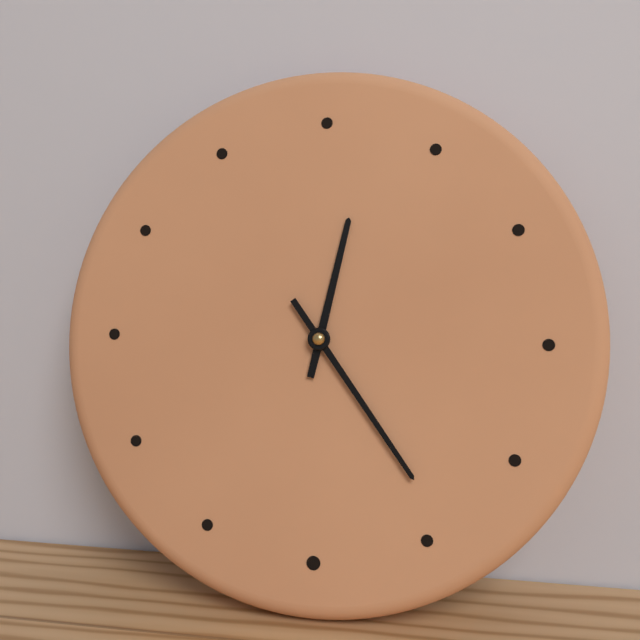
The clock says 12,24
